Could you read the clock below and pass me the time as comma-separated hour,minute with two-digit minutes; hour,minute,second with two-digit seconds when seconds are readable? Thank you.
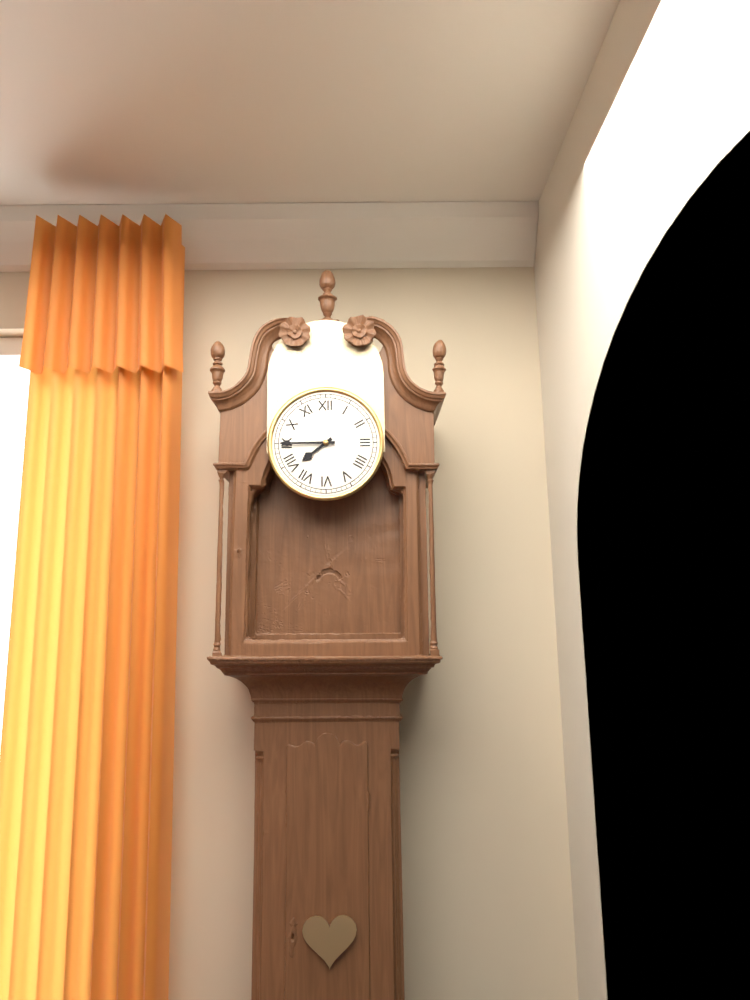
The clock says 7,45
